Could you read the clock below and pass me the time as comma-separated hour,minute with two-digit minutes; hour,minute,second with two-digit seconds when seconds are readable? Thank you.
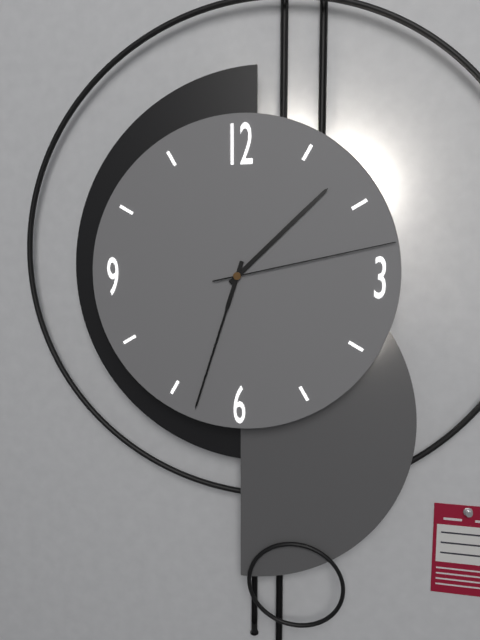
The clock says 1,33,13
